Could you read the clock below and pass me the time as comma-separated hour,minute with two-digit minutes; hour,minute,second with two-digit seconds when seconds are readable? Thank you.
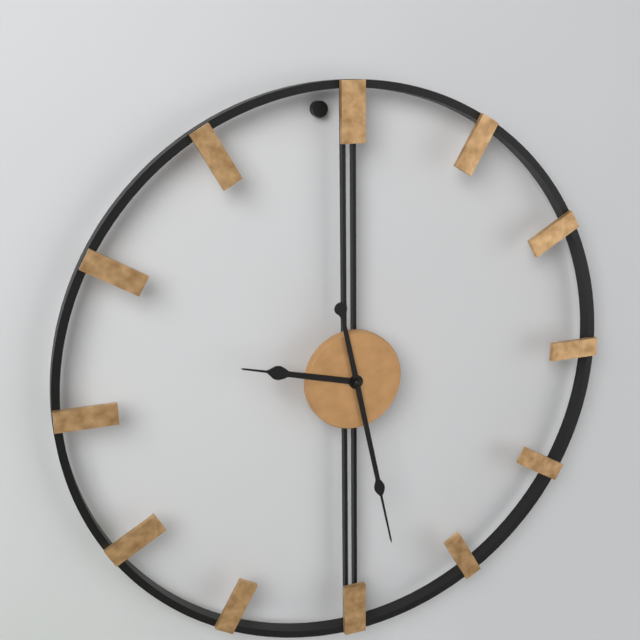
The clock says 9,28
